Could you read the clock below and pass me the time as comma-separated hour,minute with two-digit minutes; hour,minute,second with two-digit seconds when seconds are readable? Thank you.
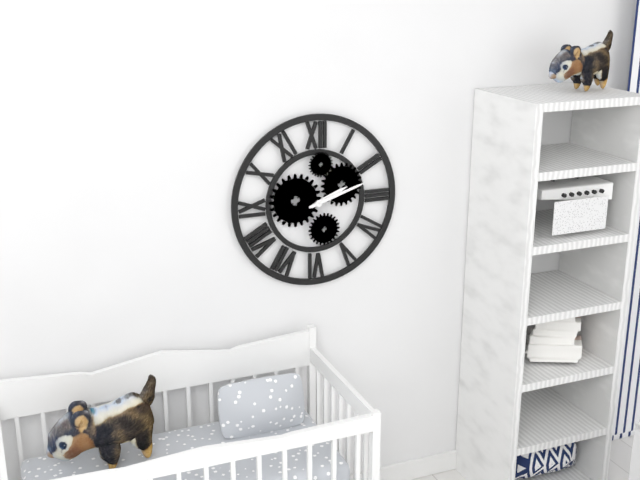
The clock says 2,12
